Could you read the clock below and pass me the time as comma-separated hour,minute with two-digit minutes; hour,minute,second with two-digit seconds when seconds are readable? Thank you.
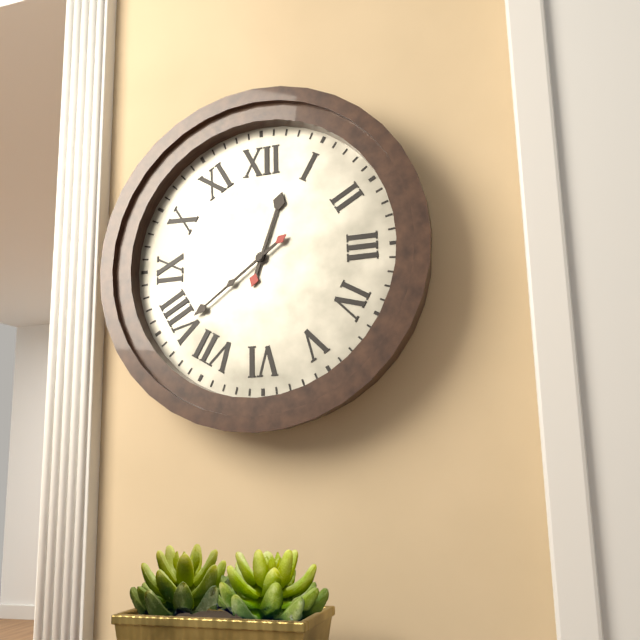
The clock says 12,39
